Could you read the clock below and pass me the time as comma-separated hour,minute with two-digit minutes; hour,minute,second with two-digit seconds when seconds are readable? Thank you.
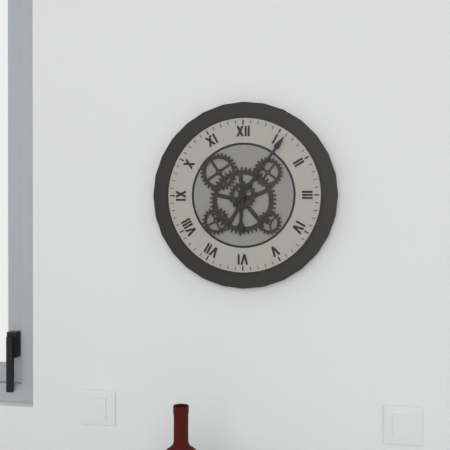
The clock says 6,06
